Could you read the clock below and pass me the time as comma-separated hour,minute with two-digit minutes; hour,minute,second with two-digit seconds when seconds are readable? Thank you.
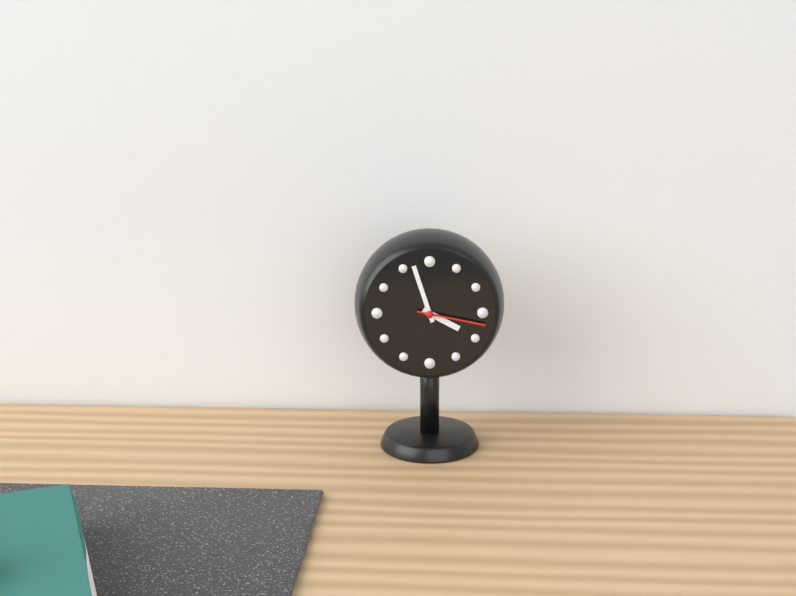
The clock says 3,57,17
